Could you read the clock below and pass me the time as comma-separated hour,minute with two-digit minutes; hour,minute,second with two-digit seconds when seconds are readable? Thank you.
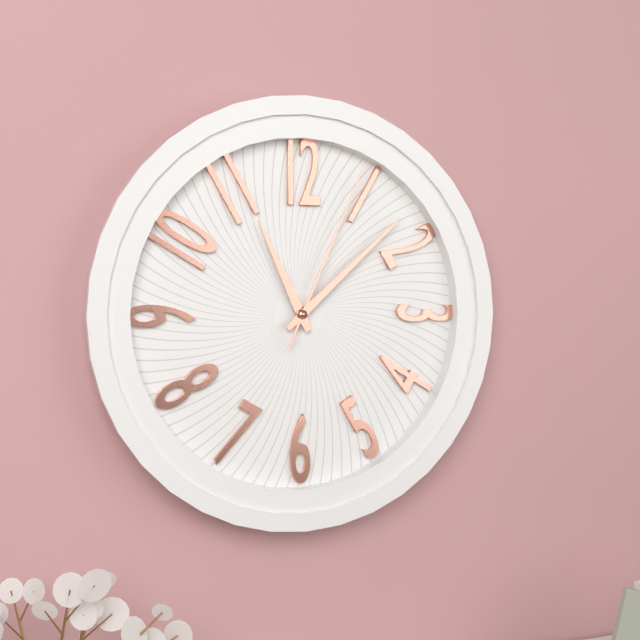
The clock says 11,08,04
